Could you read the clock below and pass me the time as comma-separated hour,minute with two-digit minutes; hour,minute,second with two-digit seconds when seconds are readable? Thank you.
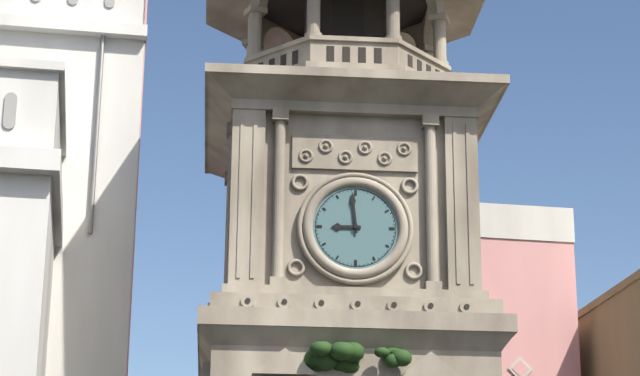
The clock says 8,59
